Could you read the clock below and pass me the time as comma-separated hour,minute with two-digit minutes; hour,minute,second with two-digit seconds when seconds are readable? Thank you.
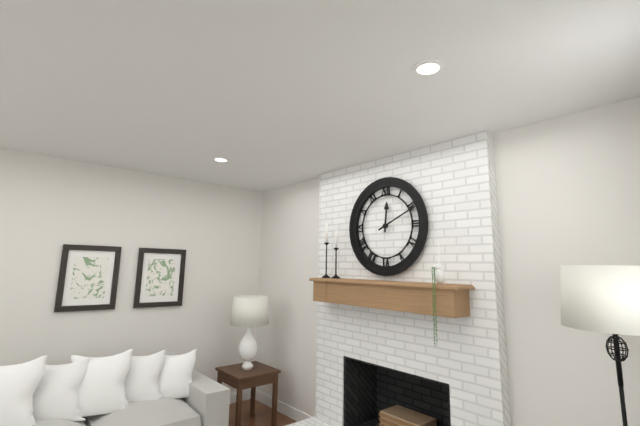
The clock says 12,11
